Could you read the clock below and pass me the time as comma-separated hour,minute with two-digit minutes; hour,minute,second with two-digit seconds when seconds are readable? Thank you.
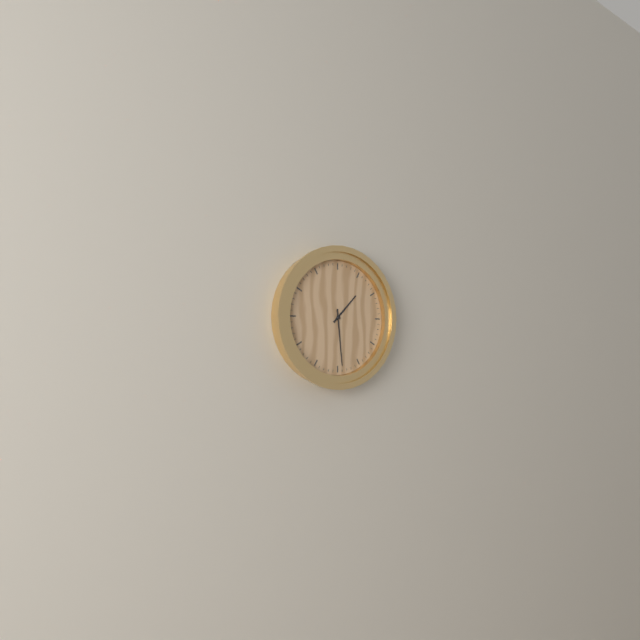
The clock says 1,29
